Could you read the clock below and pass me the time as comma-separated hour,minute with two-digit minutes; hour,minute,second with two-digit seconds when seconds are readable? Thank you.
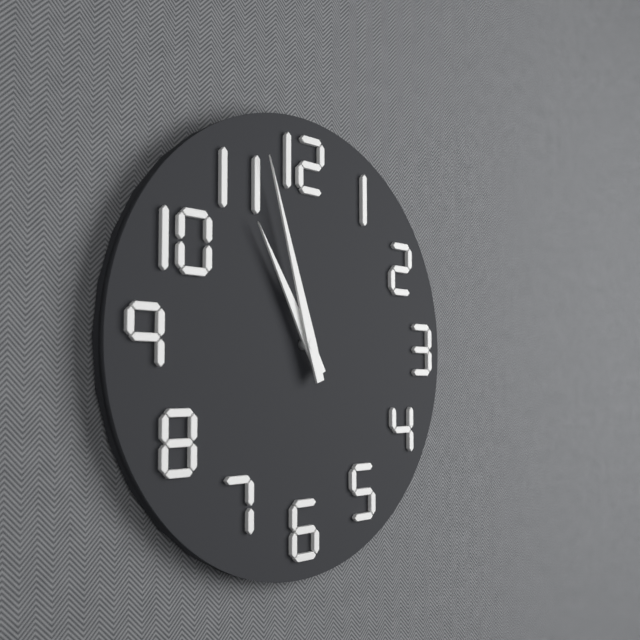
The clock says 10,57
